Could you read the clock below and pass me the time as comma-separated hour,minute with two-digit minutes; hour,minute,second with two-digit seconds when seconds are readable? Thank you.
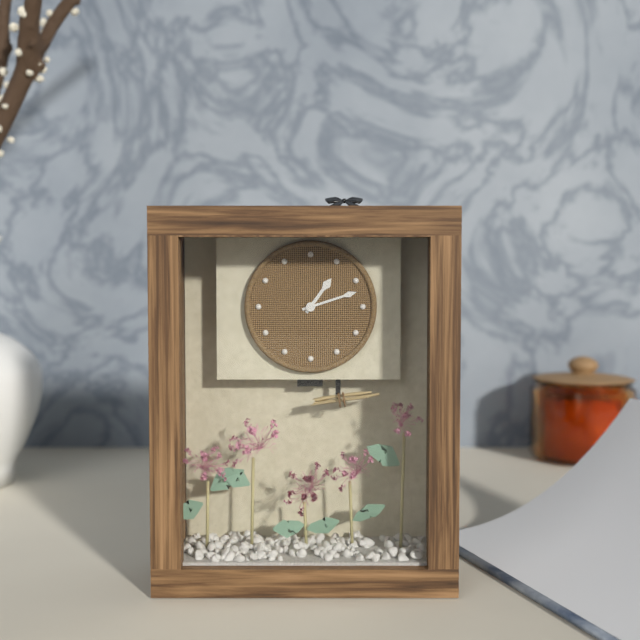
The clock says 1,12
